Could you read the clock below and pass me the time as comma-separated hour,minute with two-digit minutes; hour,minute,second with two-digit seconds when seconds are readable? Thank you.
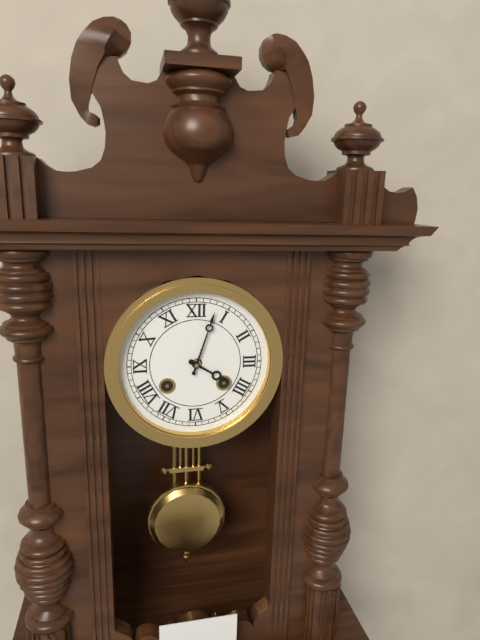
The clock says 4,03
